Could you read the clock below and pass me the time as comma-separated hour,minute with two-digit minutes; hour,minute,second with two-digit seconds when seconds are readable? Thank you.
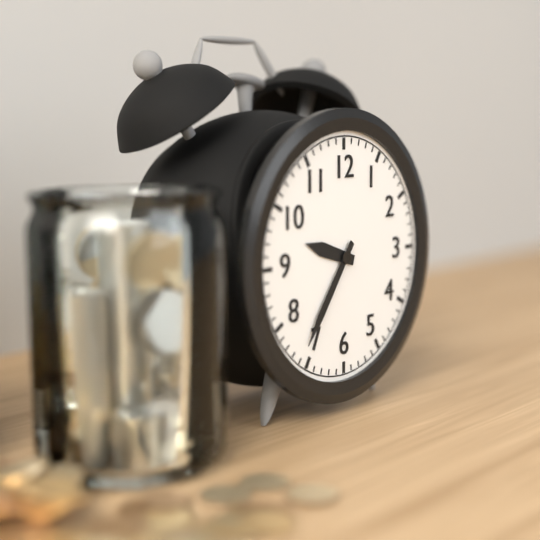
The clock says 9,36
